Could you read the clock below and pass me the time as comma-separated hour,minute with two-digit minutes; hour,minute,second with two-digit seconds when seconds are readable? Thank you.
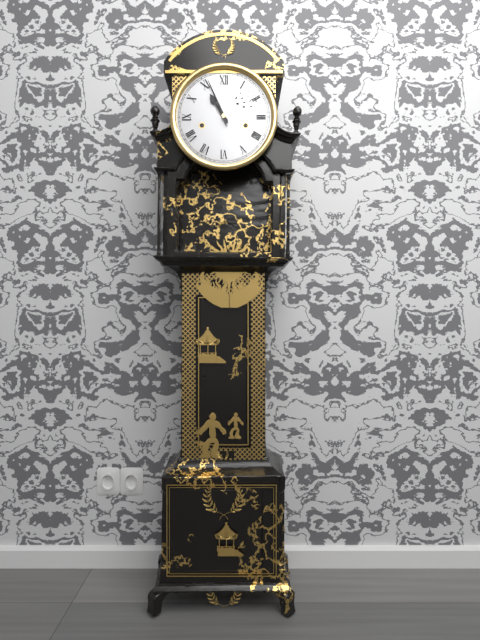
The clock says 10,56
